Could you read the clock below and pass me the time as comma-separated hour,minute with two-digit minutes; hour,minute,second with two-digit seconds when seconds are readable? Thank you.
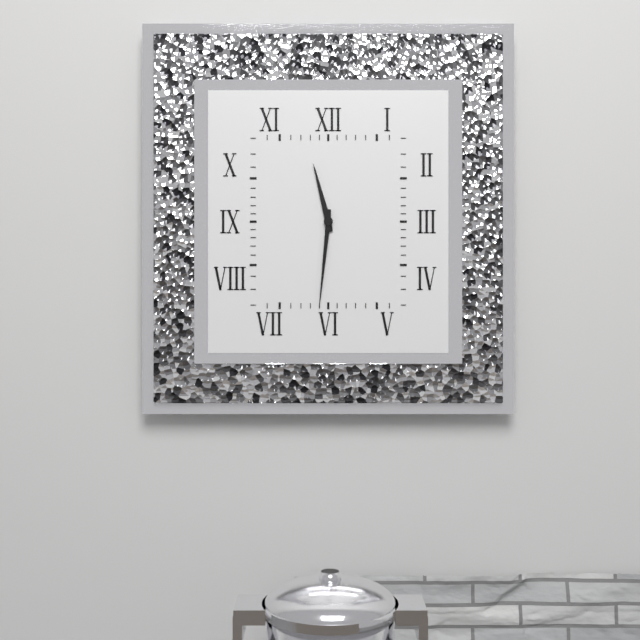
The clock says 11,31
